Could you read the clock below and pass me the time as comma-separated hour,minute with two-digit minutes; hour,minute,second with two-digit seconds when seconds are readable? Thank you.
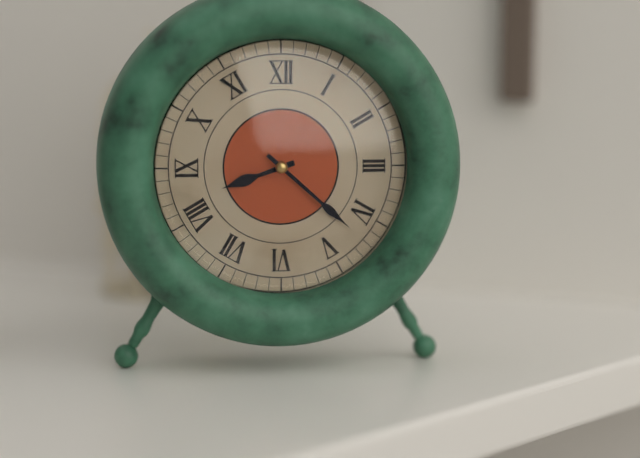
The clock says 8,22
